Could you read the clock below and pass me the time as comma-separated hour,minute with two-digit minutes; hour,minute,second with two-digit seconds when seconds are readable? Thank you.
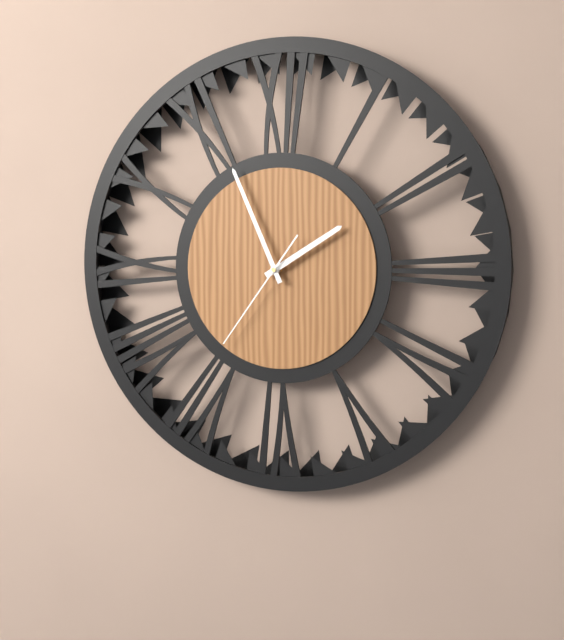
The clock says 1,56,36
